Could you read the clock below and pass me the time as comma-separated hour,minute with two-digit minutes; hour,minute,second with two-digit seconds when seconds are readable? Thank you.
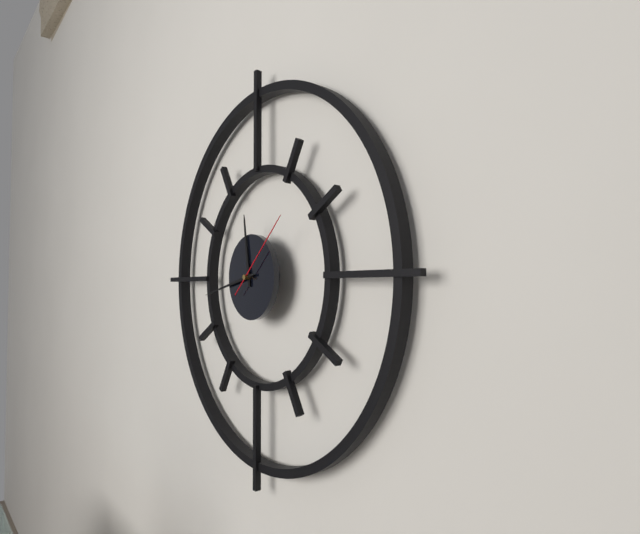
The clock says 11,43,08
